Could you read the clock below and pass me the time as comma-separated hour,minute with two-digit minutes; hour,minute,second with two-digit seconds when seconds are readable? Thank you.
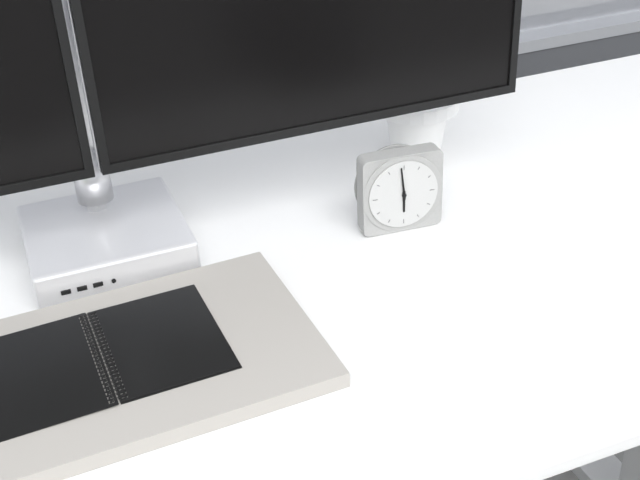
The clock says 5,59
